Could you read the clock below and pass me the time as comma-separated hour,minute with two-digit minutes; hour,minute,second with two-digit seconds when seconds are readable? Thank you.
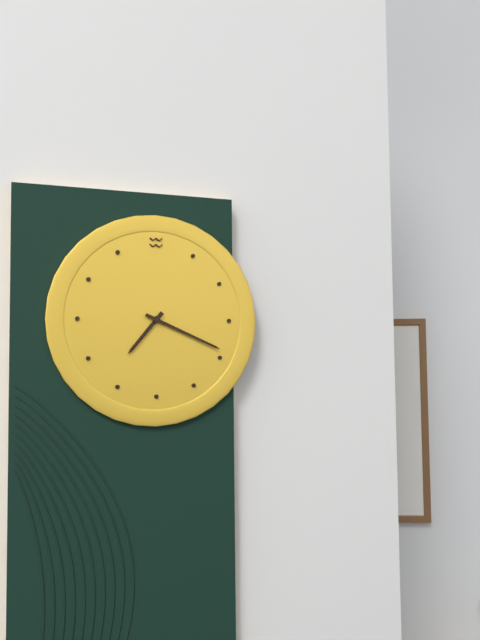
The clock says 7,19
